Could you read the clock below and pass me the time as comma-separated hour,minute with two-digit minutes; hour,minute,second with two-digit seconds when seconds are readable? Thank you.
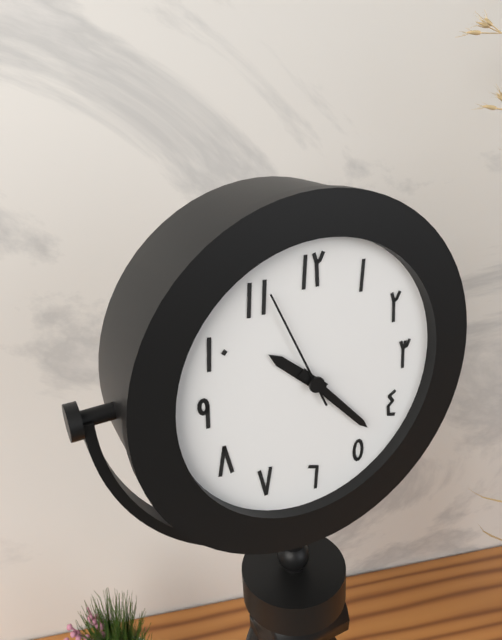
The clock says 10,23,56
